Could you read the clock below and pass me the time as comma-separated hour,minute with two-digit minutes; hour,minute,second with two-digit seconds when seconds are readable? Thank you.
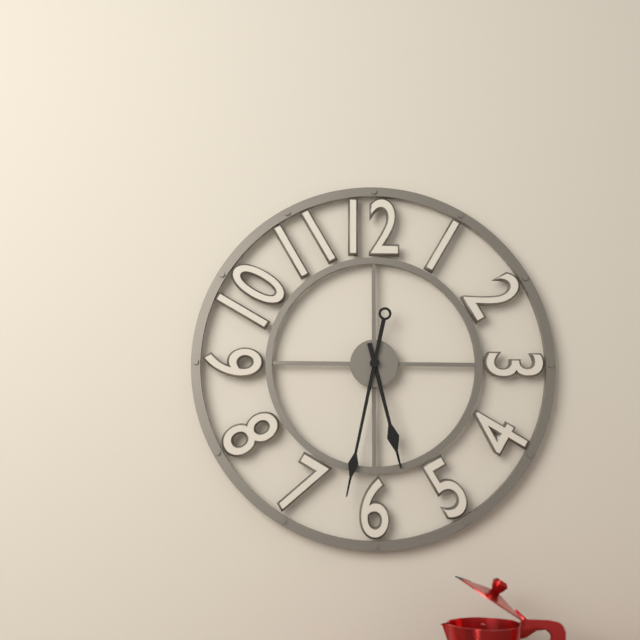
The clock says 5,32
